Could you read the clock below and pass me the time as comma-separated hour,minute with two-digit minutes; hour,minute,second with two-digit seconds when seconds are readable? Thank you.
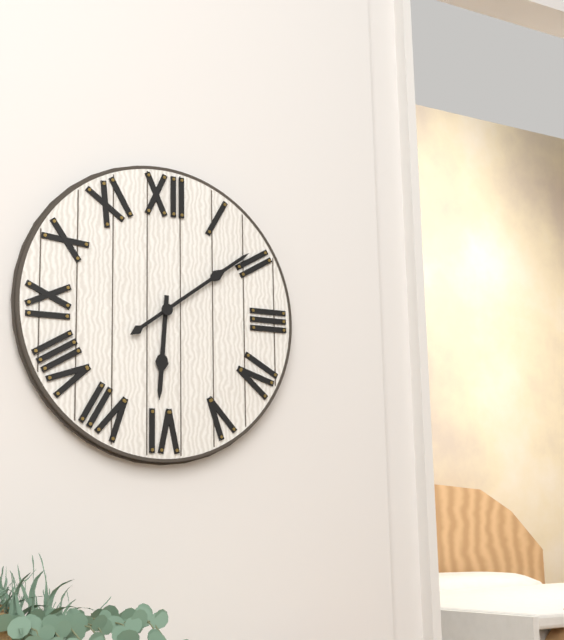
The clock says 6,09
